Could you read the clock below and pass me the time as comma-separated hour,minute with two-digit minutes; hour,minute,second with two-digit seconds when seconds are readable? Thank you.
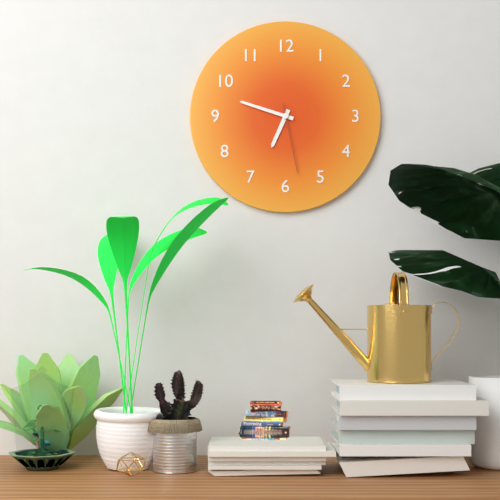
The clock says 6,48,28
